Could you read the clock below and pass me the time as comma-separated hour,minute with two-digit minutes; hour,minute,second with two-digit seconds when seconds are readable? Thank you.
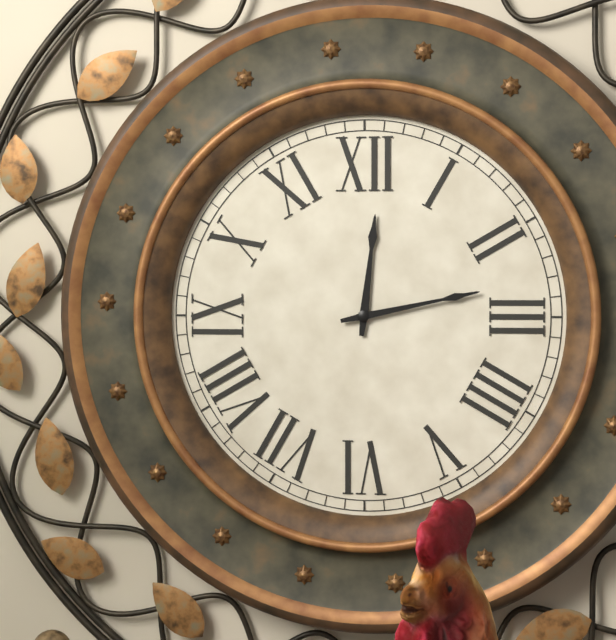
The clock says 12,13
